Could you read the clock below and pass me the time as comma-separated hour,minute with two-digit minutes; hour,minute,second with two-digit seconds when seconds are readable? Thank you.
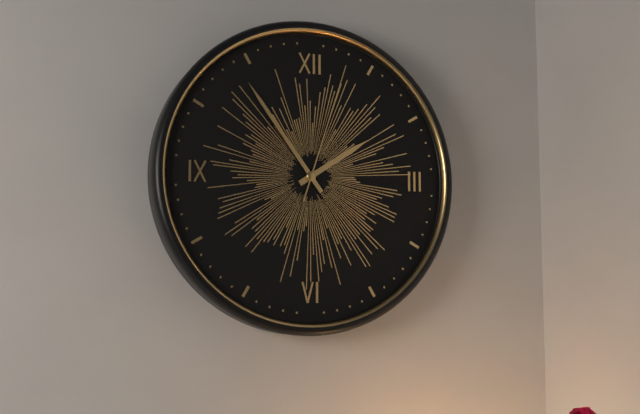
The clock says 1,54,03
